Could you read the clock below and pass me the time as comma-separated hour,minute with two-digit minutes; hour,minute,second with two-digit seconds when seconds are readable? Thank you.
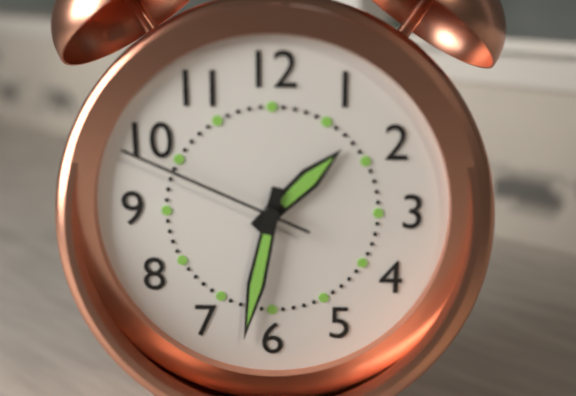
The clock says 1,32,49
